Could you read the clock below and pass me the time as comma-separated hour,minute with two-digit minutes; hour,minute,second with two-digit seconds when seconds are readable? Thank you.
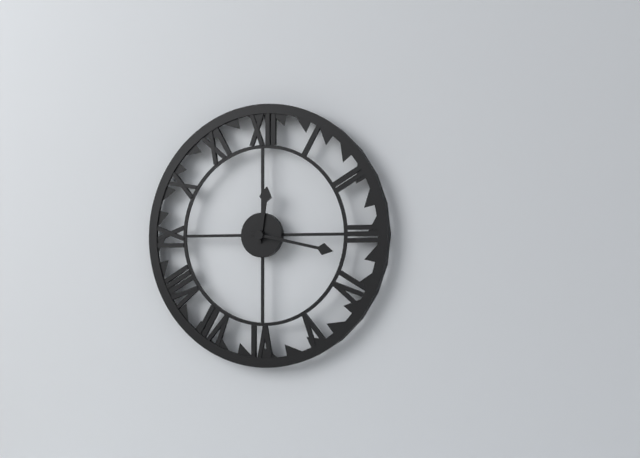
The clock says 12,17
